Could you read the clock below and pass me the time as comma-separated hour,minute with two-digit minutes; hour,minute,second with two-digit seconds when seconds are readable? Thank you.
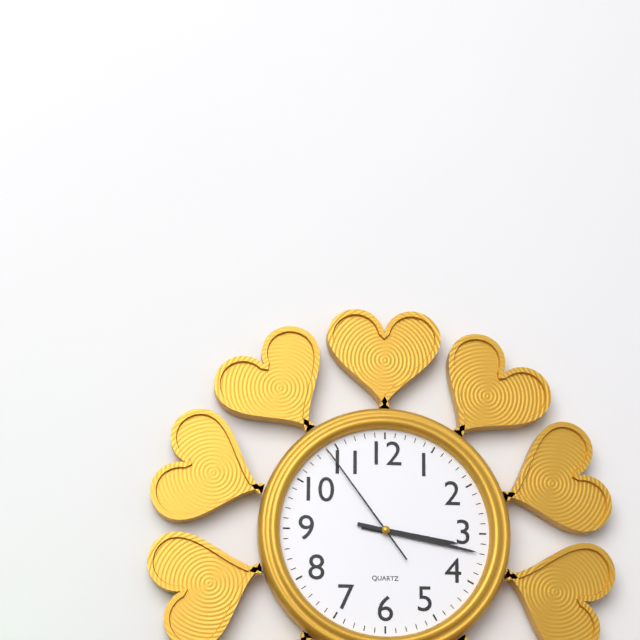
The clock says 3,17,54
